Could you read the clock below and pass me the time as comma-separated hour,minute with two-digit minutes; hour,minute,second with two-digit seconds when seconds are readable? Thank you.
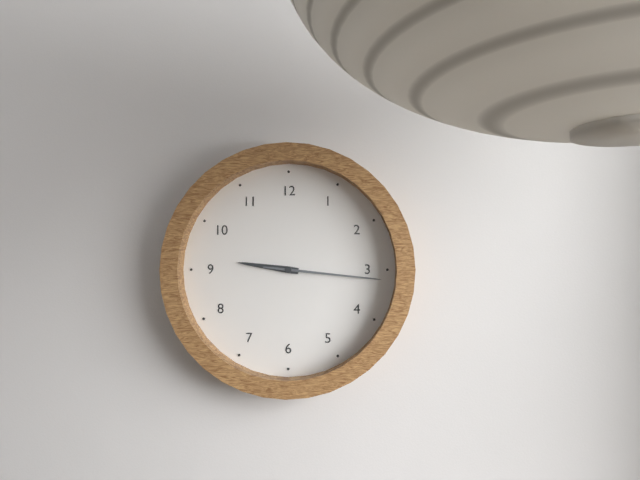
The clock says 9,16
